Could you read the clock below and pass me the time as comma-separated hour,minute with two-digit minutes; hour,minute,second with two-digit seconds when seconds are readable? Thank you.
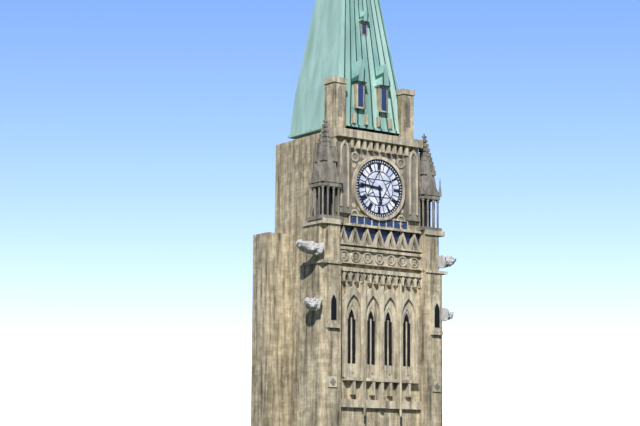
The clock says 5,46
